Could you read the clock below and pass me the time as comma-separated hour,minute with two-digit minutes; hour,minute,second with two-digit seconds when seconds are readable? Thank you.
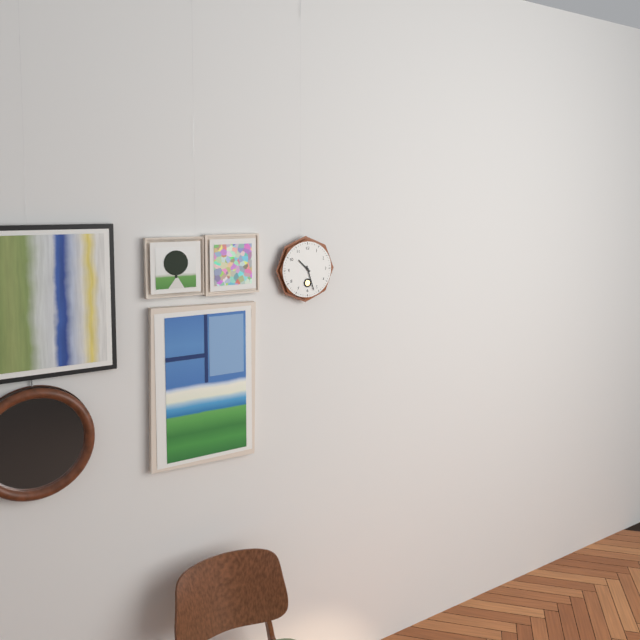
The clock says 10,27
